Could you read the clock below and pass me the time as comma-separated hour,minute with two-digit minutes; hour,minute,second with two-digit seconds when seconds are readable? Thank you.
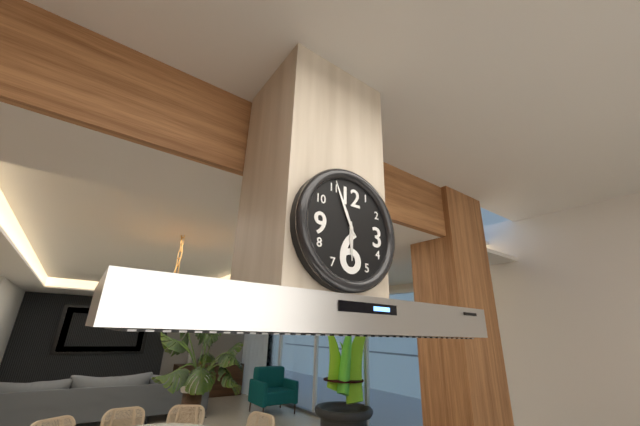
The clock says 5,56
